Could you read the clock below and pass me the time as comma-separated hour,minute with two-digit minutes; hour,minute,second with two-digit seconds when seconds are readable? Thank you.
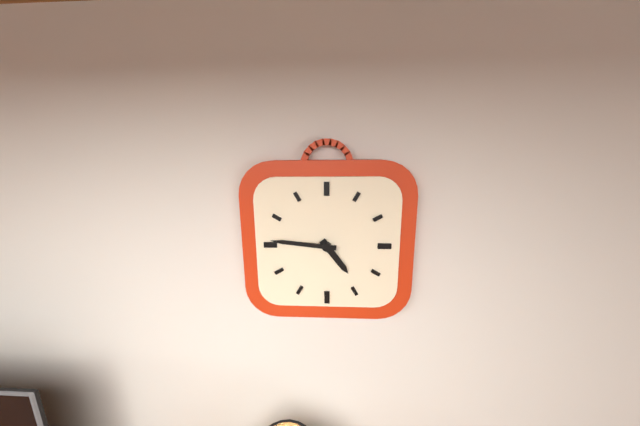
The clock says 4,46
